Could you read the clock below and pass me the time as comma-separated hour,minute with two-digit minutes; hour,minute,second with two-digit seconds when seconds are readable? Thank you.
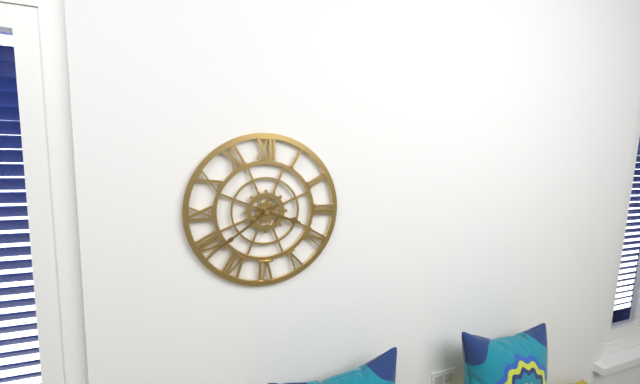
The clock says 3,39
